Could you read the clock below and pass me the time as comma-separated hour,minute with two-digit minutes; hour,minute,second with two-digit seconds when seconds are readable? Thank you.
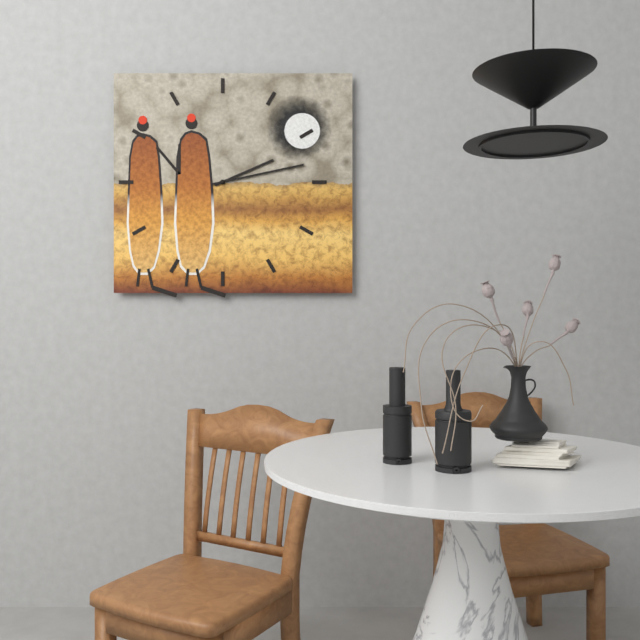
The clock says 2,13
